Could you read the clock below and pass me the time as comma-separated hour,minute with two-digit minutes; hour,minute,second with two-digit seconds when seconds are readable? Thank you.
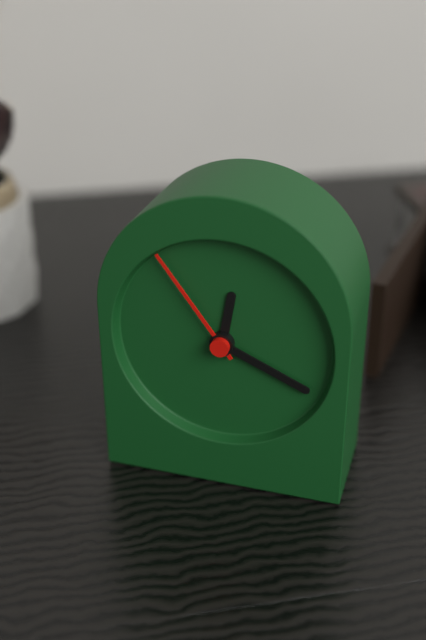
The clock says 12,19,54
